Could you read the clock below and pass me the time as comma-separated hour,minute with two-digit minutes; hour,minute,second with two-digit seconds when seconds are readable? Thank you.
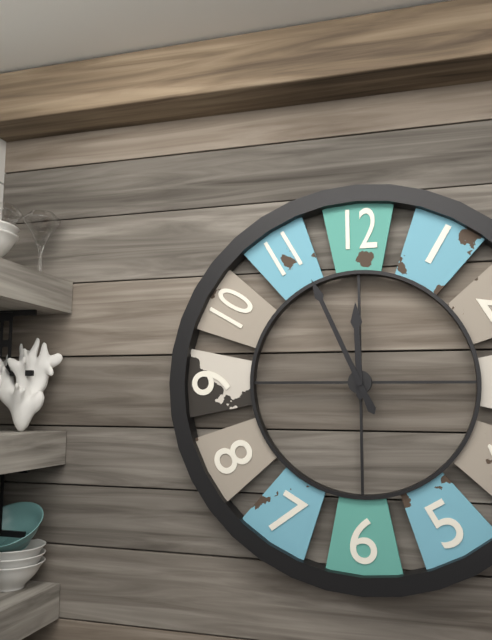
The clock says 11,56
